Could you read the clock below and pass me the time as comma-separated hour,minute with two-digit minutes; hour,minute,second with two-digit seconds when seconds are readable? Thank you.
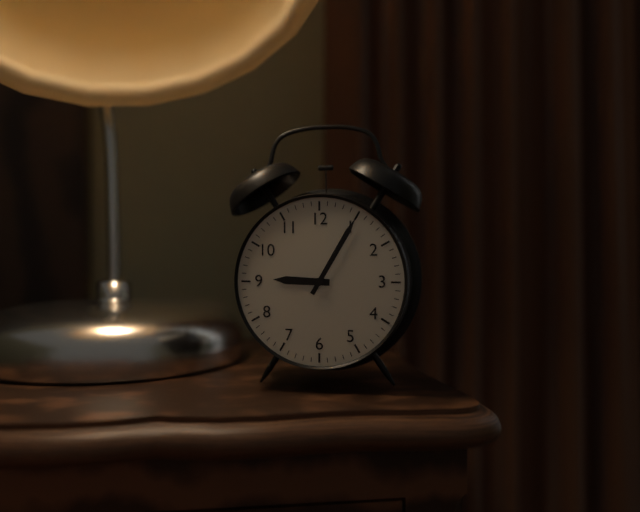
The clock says 9,05
